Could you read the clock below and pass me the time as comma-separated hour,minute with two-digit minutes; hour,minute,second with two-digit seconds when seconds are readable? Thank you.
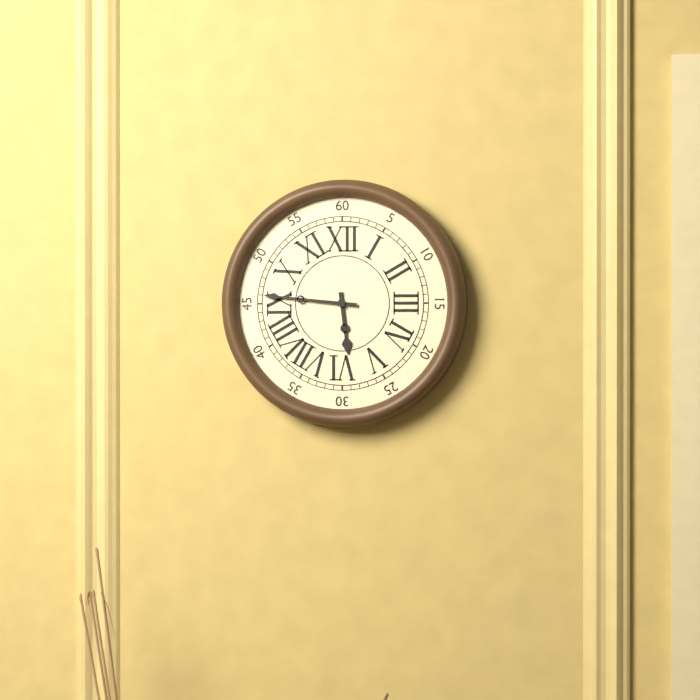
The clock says 5,46
